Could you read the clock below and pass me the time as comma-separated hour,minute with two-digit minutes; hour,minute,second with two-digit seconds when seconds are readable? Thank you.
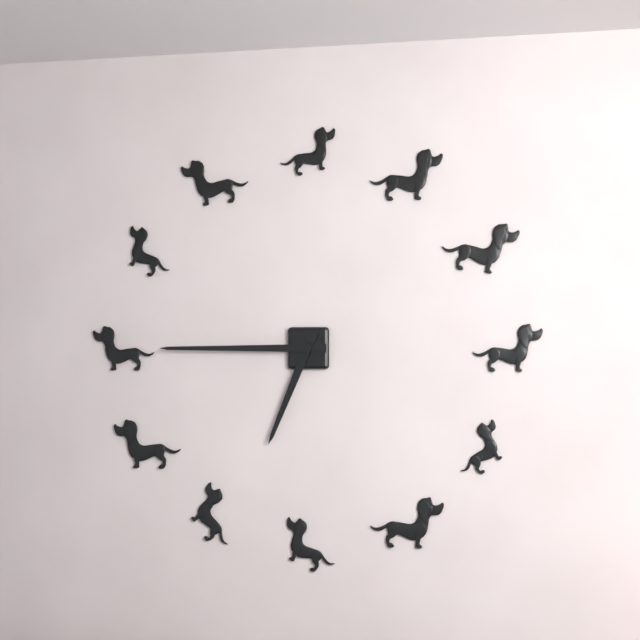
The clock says 6,45
